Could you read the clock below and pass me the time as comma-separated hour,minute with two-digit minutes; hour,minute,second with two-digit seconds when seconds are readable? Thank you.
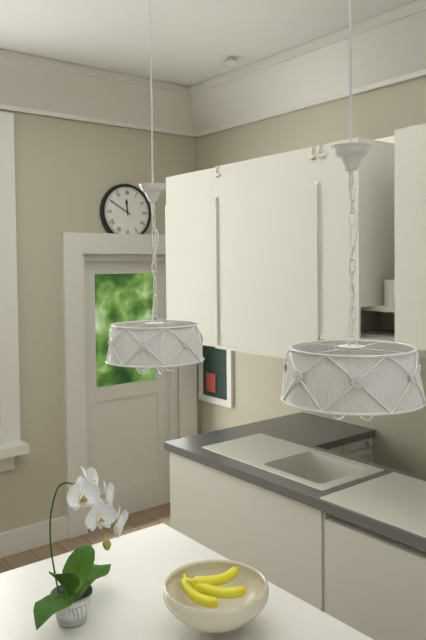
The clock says 11,50
